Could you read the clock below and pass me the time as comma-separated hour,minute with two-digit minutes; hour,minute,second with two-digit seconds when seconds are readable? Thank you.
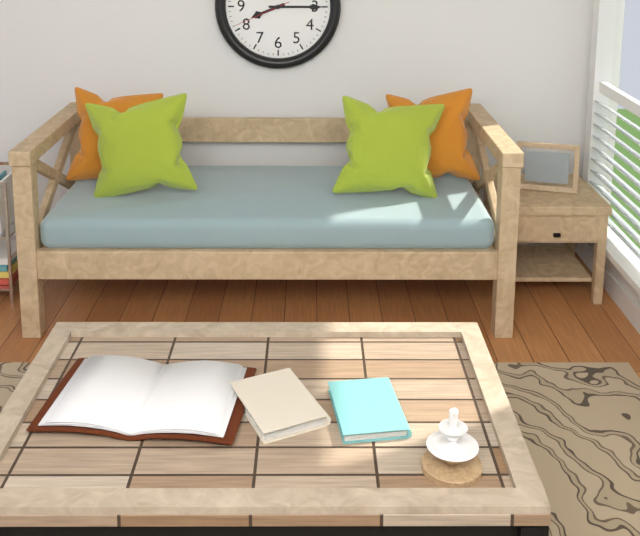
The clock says 8,15,41
